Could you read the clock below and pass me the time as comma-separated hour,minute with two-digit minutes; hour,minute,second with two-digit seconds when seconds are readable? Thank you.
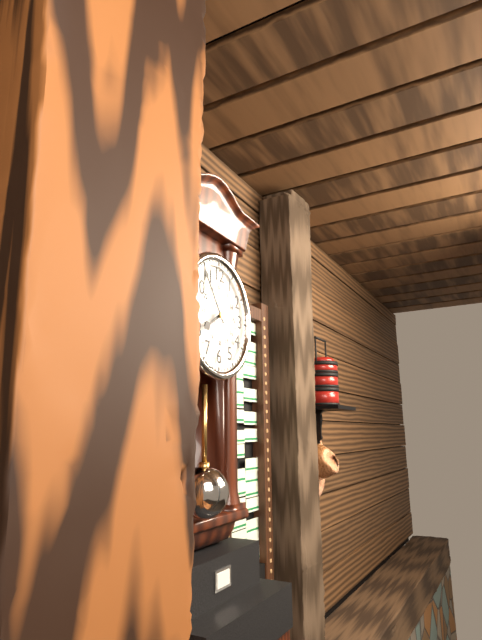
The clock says 7,54
